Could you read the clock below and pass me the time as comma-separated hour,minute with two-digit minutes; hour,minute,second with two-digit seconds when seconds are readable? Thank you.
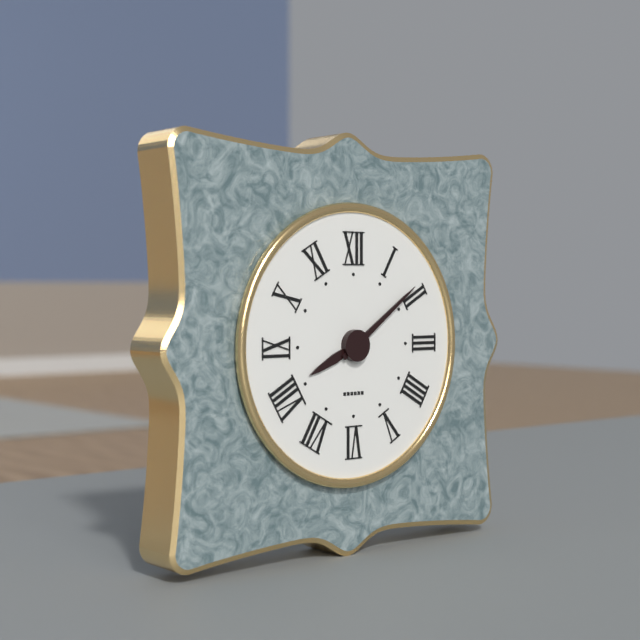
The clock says 8,09
